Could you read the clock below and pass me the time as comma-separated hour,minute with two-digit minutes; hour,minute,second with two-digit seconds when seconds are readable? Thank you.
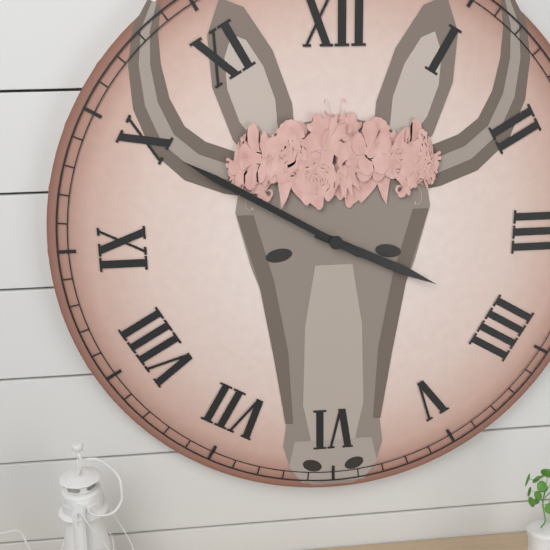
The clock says 3,50
